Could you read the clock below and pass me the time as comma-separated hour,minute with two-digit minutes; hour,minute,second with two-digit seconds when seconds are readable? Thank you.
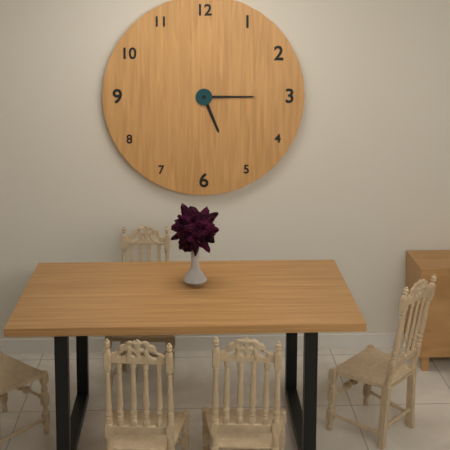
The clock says 5,15
